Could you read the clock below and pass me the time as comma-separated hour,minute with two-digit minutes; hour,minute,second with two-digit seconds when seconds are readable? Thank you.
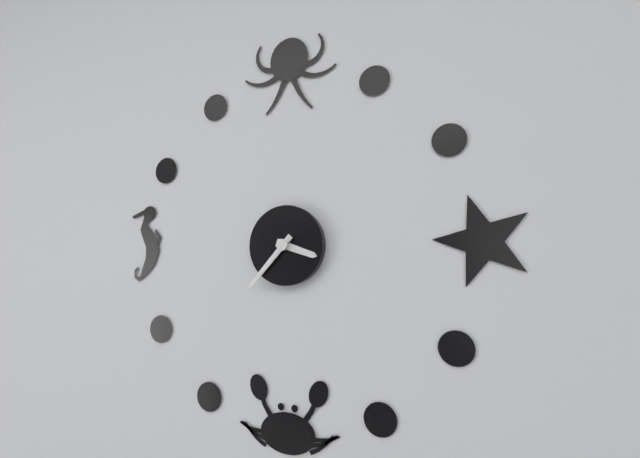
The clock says 3,37
